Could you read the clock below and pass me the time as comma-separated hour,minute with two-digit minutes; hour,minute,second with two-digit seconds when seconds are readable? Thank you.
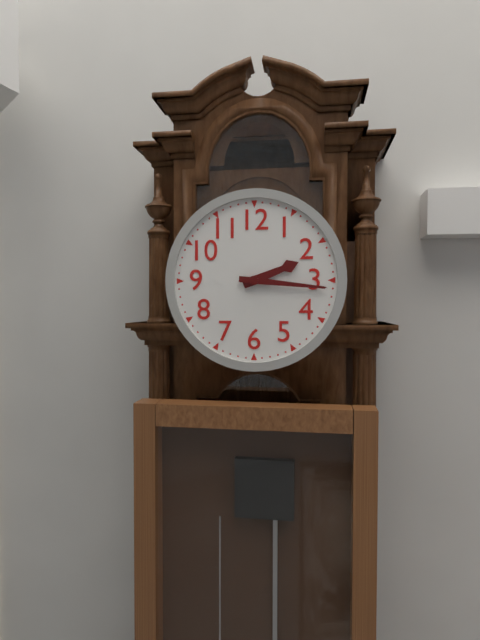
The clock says 2,16
